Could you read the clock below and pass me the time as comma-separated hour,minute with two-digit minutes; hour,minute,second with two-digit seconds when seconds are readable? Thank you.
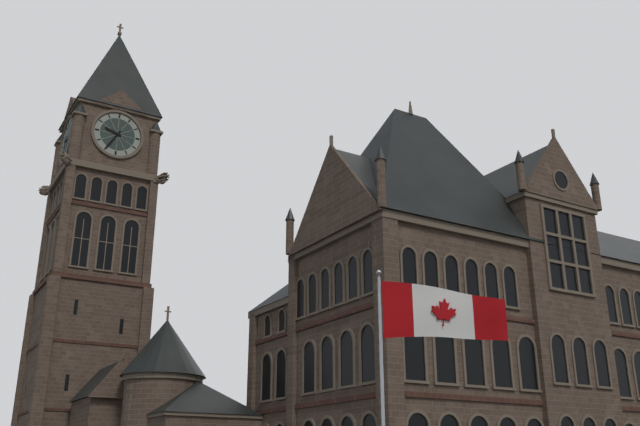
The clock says 9,35
